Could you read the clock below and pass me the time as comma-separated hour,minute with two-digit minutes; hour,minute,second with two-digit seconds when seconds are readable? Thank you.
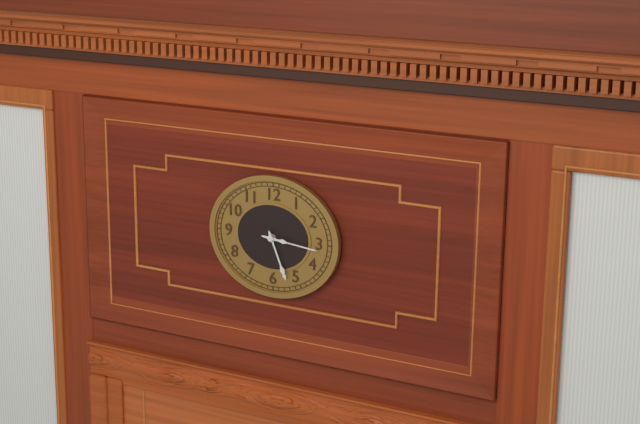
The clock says 5,16
